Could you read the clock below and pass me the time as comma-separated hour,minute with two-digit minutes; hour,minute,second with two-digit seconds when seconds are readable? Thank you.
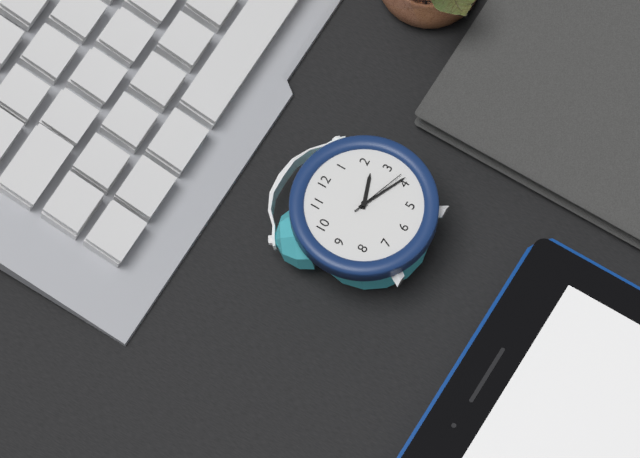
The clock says 2,19,18
